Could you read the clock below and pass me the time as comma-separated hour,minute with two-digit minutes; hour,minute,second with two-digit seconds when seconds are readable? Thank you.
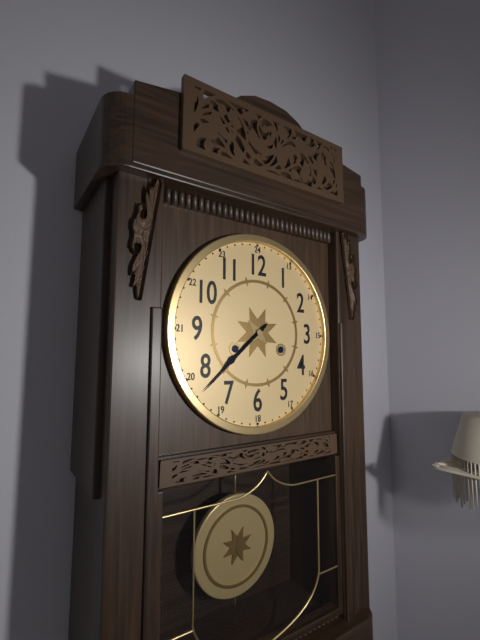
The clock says 7,38
